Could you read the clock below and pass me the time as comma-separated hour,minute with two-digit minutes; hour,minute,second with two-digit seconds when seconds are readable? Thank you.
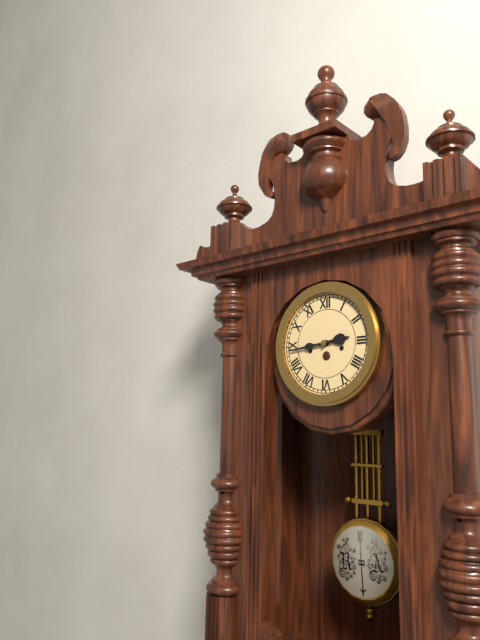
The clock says 2,44
